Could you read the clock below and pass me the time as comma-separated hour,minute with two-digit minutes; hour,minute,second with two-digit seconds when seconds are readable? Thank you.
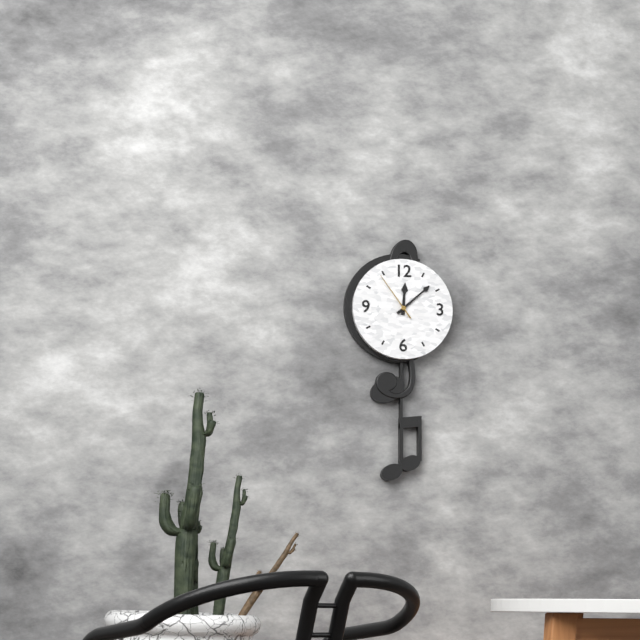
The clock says 12,08,54
